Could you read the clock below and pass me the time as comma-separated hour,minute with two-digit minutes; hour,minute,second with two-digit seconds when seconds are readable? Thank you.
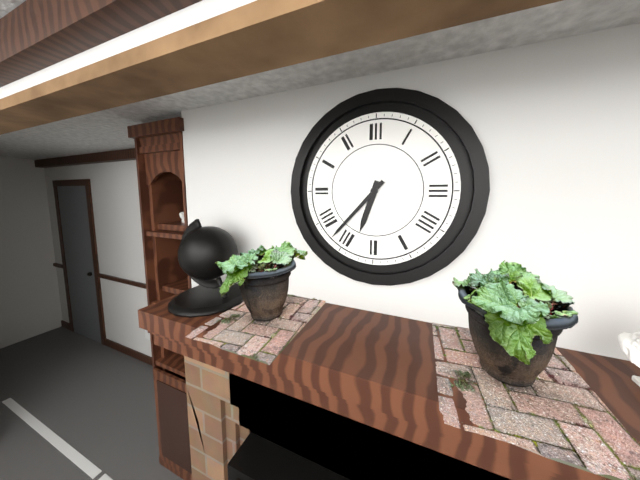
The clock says 6,37
